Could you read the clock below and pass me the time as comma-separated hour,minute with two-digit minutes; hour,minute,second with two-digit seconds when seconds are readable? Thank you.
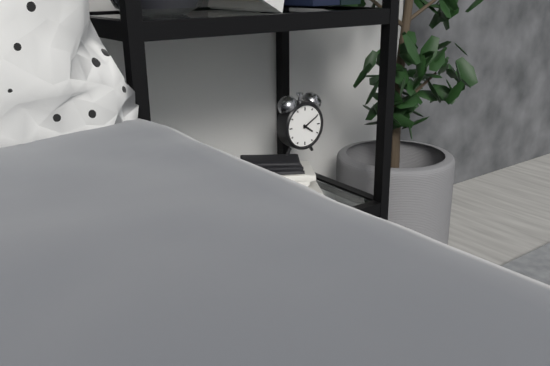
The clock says 4,10
